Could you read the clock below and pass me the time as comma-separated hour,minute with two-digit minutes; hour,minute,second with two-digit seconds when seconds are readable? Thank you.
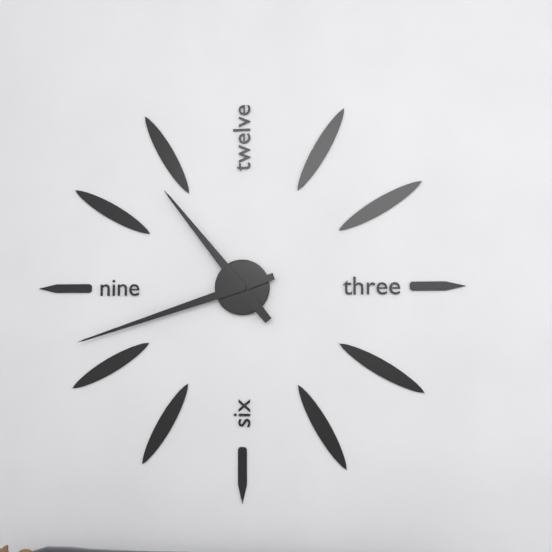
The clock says 10,42
